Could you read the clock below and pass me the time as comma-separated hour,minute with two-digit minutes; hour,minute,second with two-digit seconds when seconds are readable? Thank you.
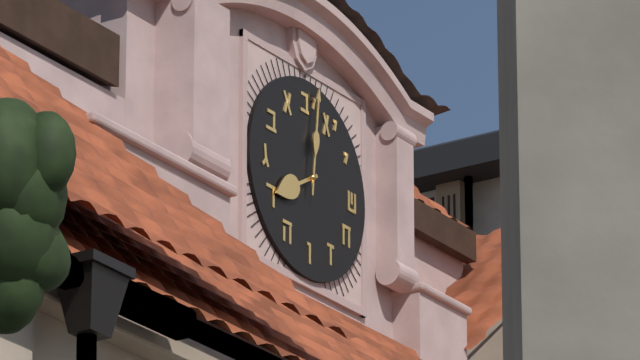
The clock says 8,01
